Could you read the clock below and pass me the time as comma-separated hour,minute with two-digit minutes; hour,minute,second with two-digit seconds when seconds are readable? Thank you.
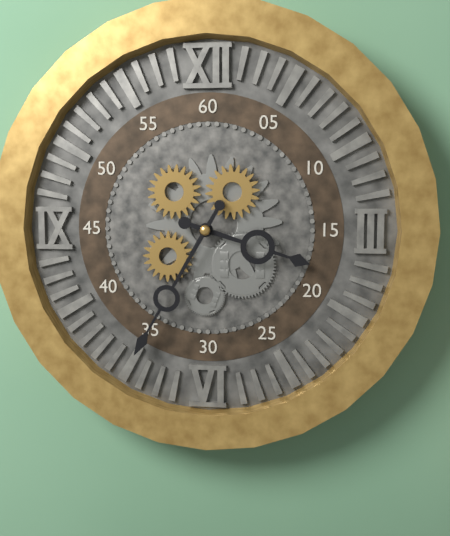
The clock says 3,35
